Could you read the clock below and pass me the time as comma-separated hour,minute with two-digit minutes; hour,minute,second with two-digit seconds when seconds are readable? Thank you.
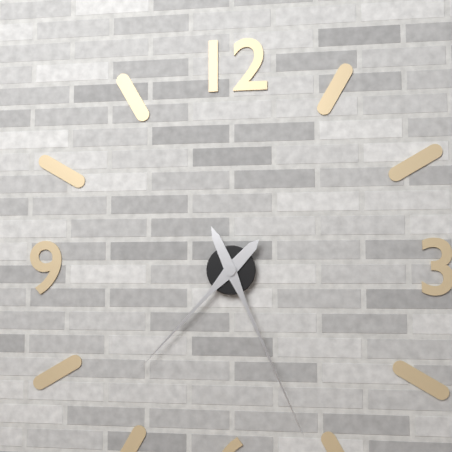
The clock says 7,26
